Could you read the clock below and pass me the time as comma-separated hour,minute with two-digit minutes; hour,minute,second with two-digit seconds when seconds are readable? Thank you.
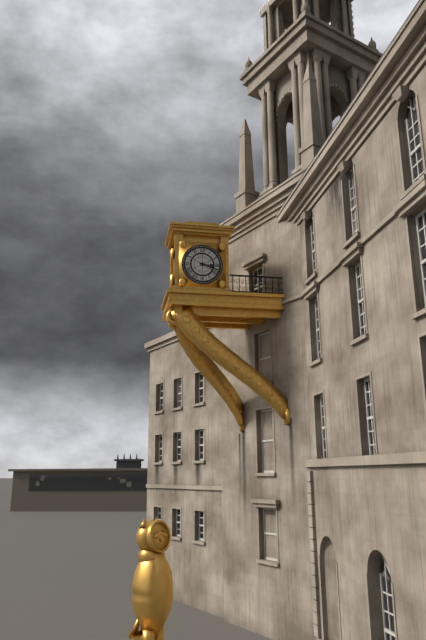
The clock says 3,18
